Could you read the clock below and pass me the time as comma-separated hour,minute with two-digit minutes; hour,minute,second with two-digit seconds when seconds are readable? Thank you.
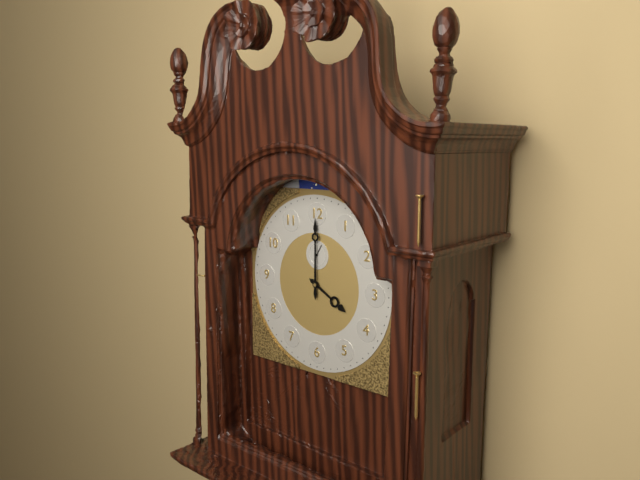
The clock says 4,00
